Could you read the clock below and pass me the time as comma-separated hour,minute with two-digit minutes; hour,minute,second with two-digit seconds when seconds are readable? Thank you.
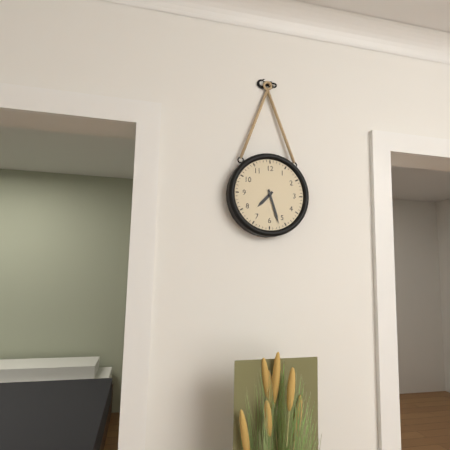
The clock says 7,27
